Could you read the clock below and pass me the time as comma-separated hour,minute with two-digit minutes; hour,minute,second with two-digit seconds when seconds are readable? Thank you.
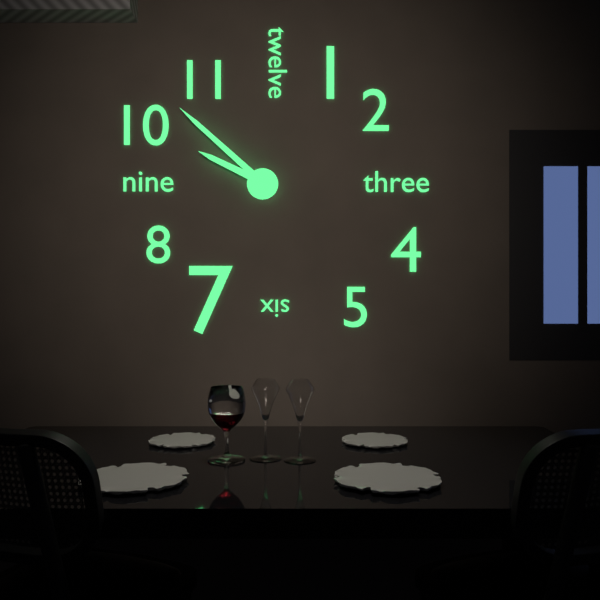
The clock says 9,52
